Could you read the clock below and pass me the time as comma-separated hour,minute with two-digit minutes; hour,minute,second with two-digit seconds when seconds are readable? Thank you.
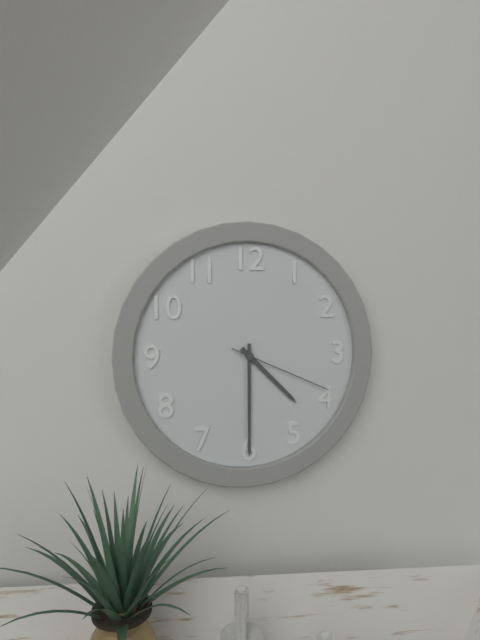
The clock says 4,30,19
